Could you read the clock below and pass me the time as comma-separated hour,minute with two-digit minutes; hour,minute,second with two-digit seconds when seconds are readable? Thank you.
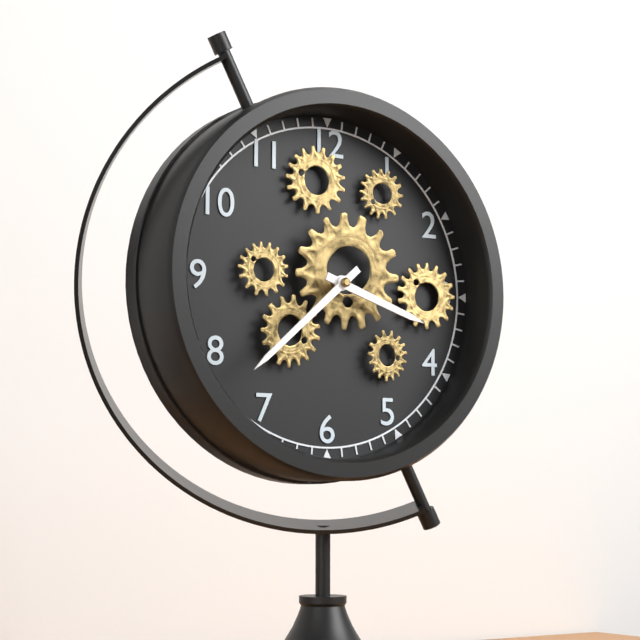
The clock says 3,38
